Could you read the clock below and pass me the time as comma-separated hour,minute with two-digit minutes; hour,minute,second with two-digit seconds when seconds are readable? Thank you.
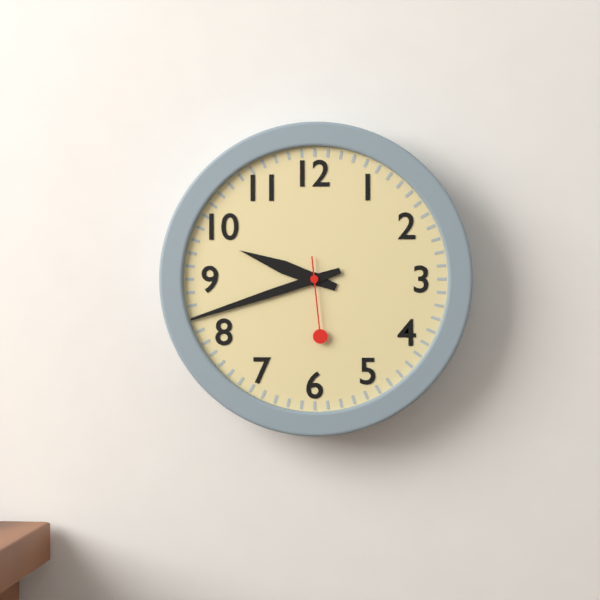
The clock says 9,42,29
